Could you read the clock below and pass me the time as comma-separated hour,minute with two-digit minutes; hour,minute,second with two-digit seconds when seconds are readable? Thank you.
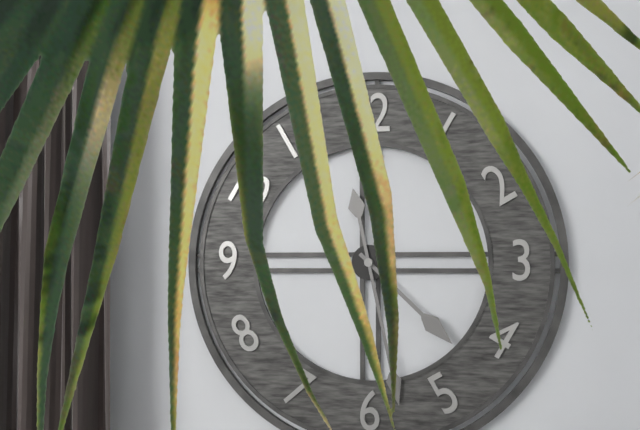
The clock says 4,28
